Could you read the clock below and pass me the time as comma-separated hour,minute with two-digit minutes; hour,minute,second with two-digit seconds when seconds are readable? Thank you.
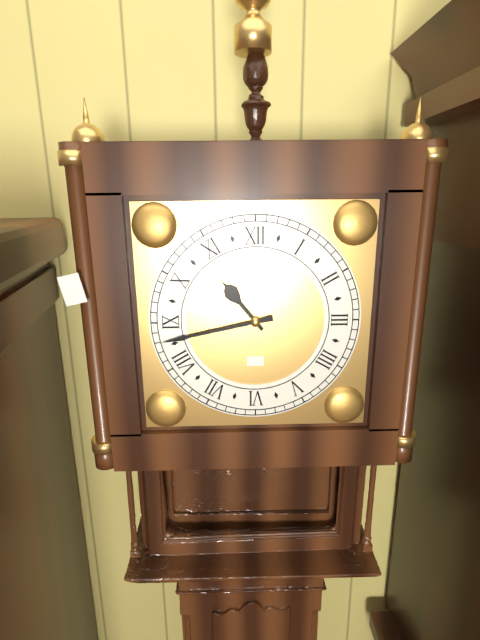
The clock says 10,43
